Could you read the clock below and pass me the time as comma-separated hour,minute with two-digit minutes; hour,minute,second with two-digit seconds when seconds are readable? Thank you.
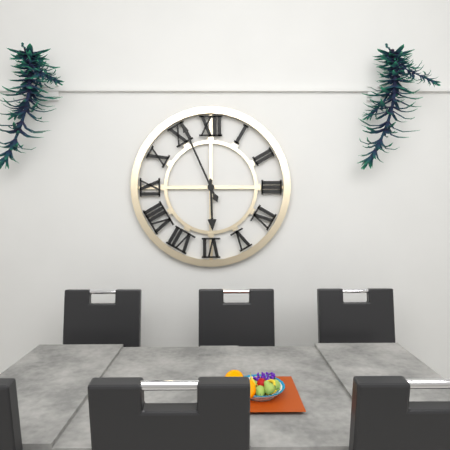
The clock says 5,56
